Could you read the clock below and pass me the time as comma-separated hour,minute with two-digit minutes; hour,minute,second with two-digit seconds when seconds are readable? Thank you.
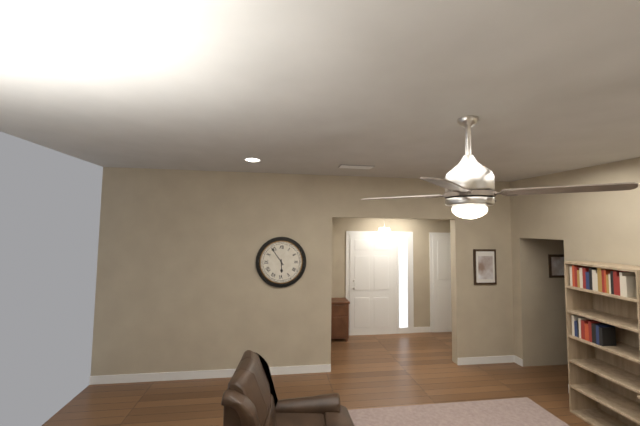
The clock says 5,54
